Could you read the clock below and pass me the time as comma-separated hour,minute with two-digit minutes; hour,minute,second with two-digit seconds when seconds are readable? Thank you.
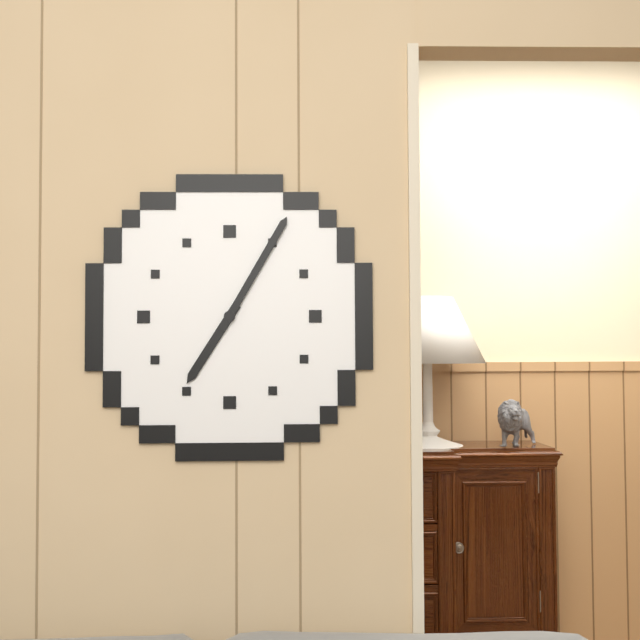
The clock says 7,05
